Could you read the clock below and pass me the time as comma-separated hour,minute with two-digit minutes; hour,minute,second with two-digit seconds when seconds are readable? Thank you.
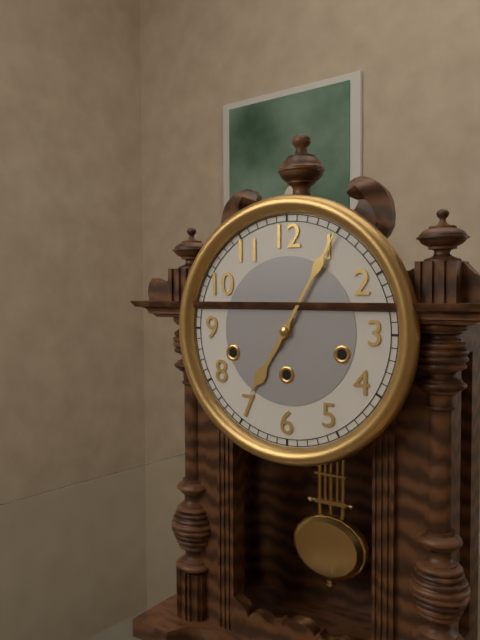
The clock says 7,05
